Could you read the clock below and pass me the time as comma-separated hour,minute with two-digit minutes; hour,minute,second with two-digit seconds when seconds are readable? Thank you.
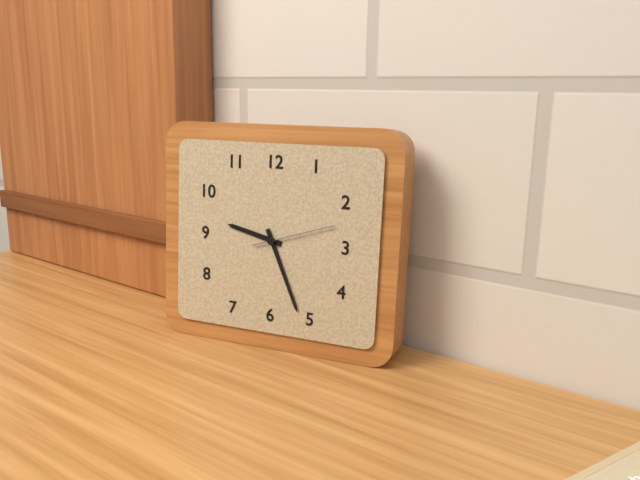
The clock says 9,26,12
